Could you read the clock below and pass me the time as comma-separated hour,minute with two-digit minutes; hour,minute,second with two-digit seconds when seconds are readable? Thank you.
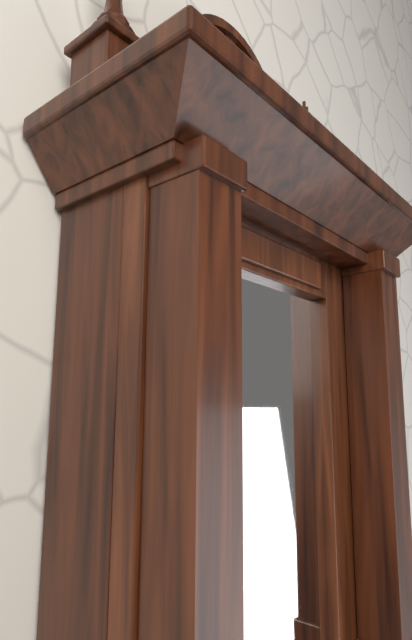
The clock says 2,25
